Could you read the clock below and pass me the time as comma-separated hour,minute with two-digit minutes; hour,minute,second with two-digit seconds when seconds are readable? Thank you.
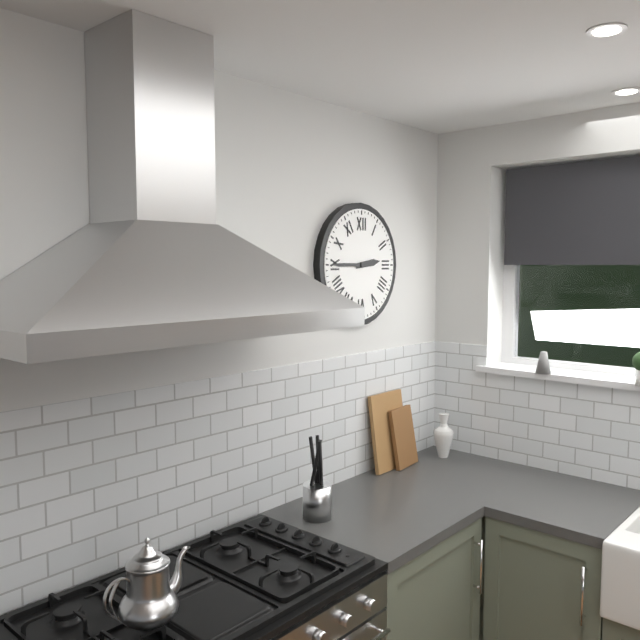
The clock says 2,45
